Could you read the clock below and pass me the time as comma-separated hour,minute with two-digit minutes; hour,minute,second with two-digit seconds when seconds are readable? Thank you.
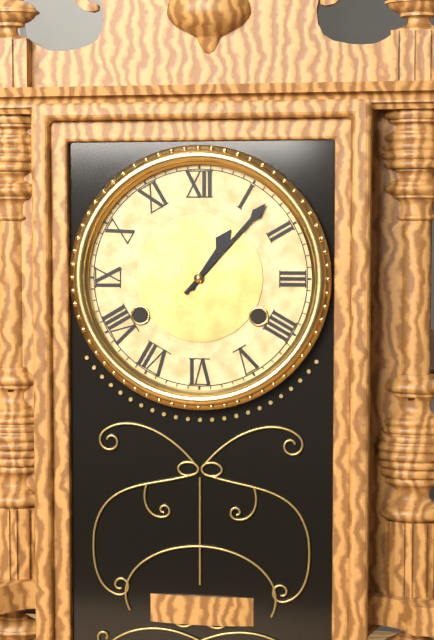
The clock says 1,07
